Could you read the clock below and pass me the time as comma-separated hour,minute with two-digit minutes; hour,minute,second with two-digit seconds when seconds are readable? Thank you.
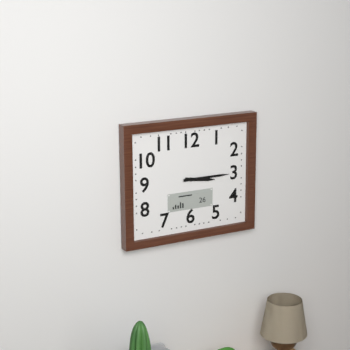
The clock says 3,15
